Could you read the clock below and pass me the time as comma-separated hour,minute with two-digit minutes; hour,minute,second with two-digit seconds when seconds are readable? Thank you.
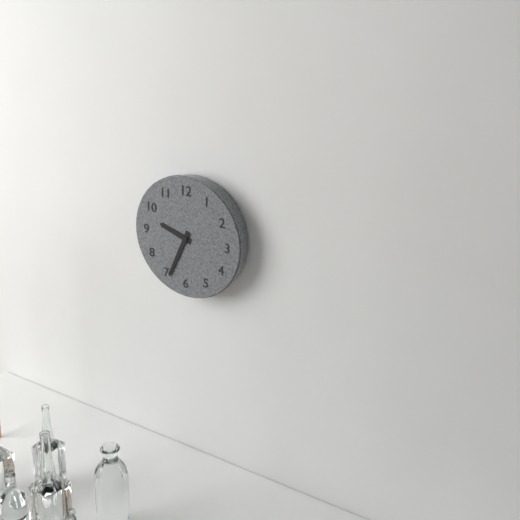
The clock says 9,34
